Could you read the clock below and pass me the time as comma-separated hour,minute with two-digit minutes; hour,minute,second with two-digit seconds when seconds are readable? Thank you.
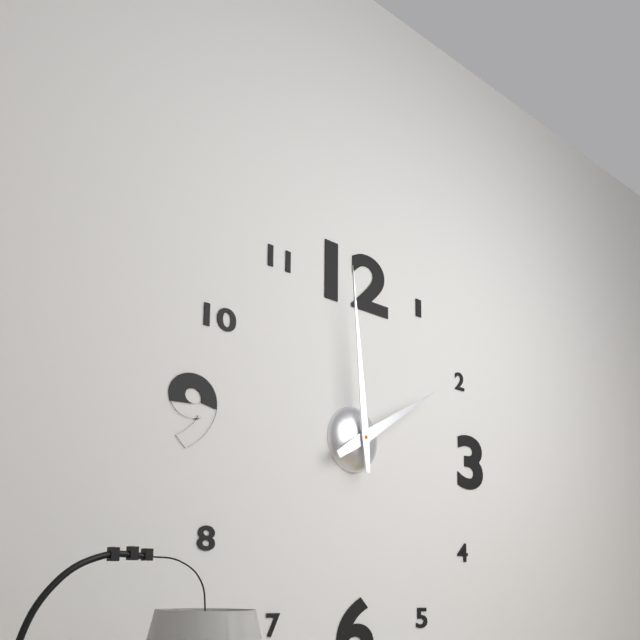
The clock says 1,59
